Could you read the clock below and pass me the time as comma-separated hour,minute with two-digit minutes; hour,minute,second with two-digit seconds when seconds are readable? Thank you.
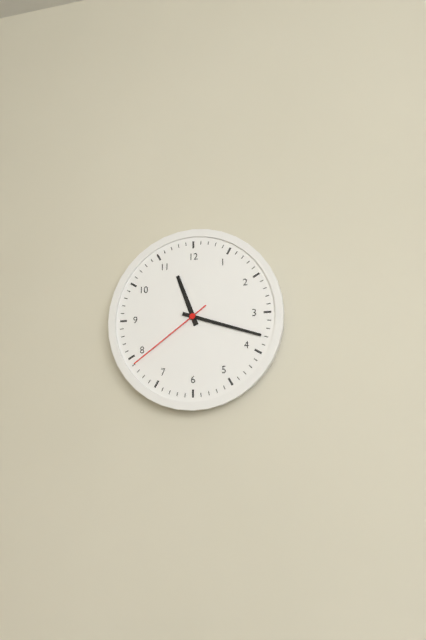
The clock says 11,18,39
